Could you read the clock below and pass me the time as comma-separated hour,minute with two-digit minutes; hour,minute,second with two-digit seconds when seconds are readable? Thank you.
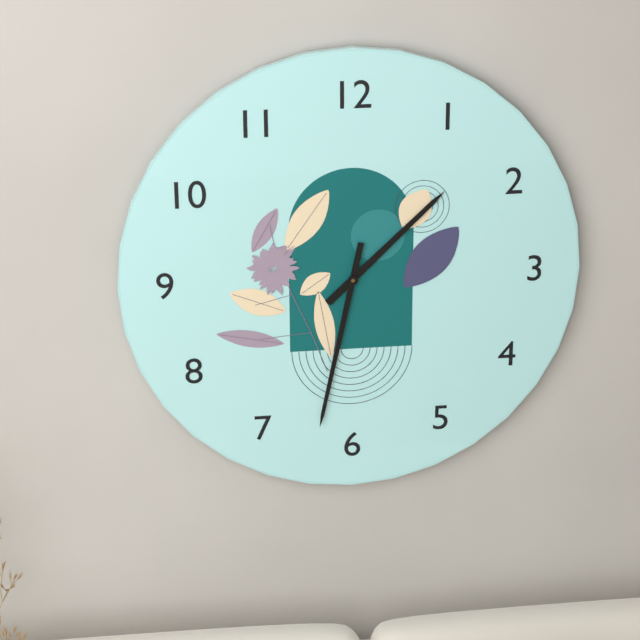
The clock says 1,32
